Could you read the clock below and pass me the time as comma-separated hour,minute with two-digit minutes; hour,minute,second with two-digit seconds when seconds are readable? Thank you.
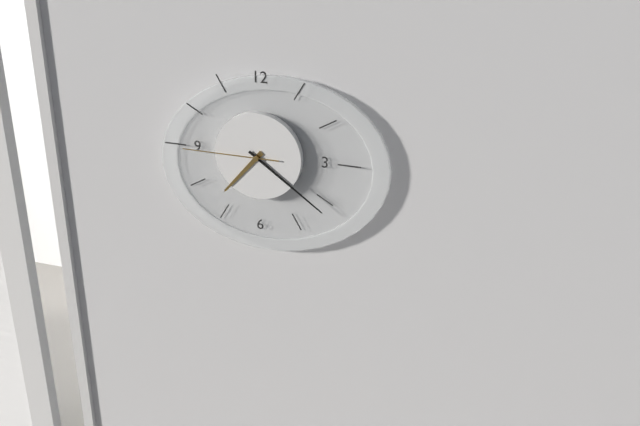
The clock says 7,21,45
